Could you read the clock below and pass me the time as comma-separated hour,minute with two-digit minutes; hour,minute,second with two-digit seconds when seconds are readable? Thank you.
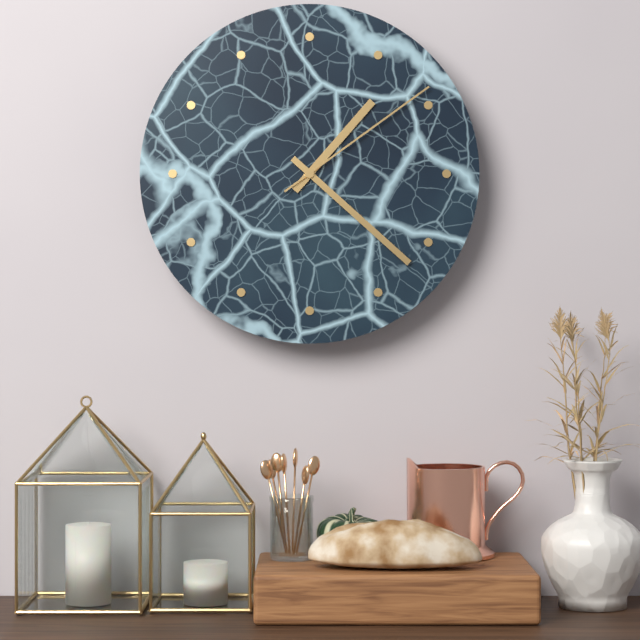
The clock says 1,22,09
